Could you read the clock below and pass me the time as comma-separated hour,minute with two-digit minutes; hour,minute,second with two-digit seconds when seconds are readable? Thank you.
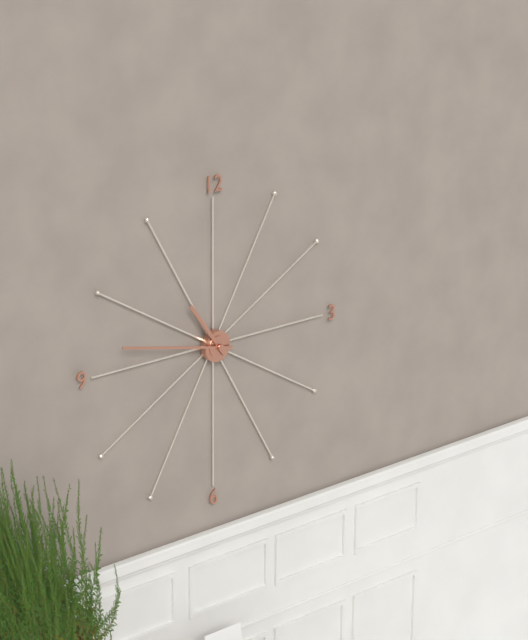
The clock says 10,47
